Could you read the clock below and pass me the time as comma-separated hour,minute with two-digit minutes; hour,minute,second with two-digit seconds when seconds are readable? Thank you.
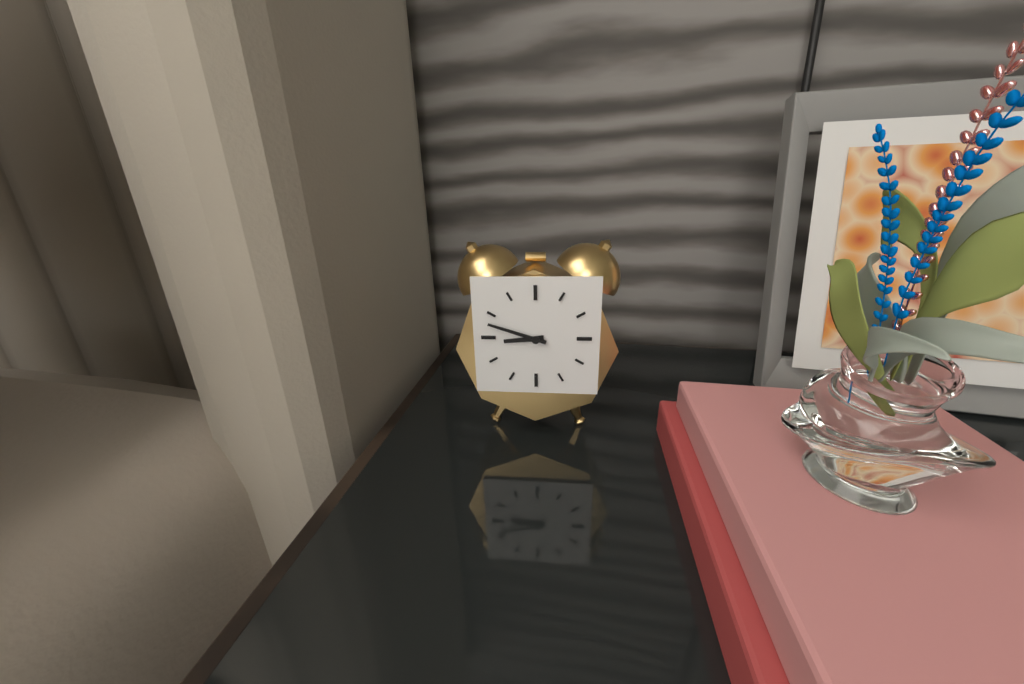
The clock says 8,48
